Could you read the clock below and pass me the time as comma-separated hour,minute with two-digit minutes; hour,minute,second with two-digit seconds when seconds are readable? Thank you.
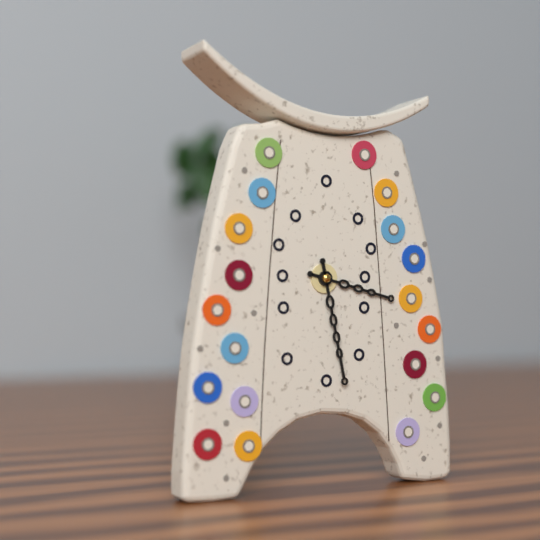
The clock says 3,28
